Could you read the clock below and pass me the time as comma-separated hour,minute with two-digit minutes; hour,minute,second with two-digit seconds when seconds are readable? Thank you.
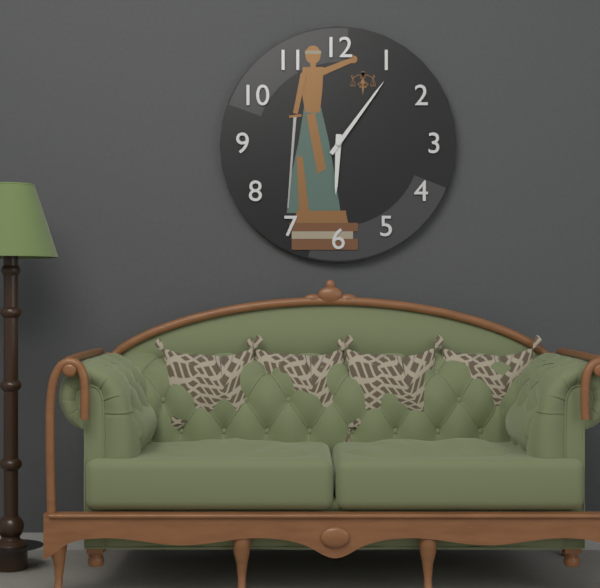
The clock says 6,06
